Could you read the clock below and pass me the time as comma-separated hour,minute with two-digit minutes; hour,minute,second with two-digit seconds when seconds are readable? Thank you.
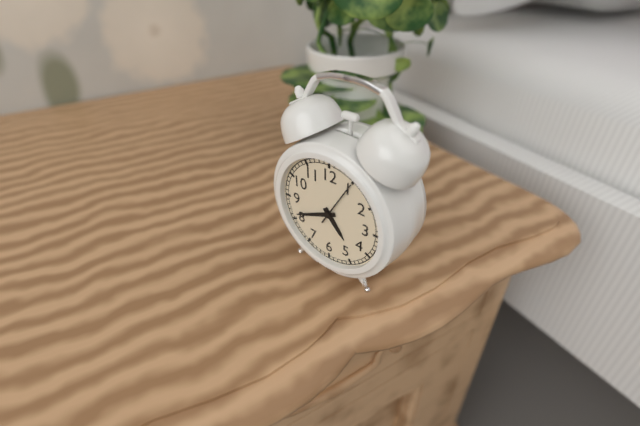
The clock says 4,41
